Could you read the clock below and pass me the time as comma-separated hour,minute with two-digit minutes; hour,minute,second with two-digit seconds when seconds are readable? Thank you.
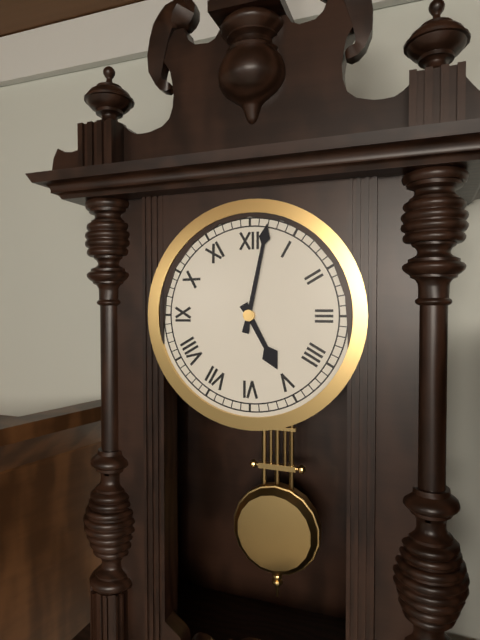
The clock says 5,02
